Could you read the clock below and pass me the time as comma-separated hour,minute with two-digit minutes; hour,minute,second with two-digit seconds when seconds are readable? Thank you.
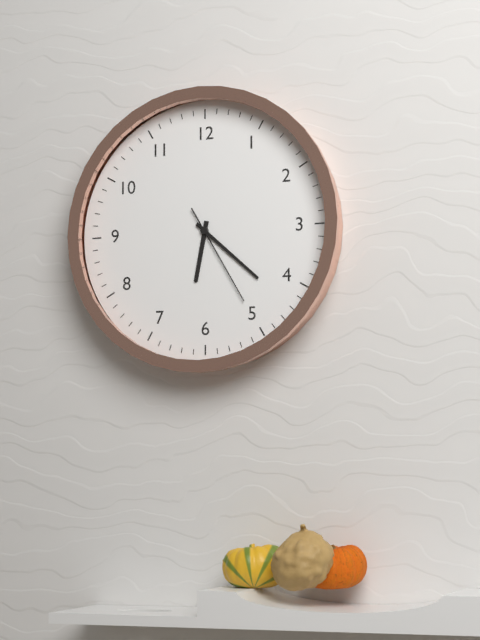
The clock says 6,22,25
